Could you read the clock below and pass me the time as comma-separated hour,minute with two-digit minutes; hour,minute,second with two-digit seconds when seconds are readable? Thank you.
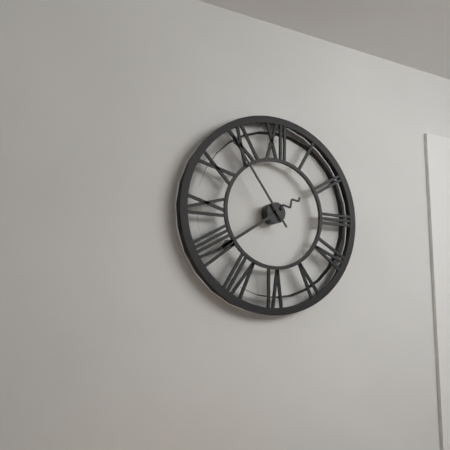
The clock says 7,54
